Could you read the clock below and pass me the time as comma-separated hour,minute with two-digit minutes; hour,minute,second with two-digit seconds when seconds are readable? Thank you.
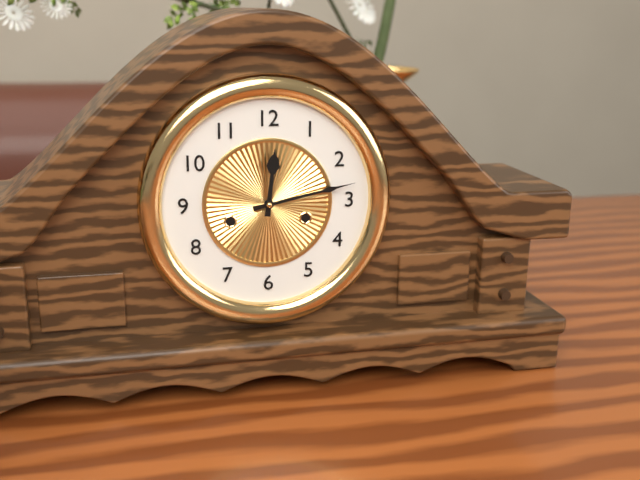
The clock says 12,13
